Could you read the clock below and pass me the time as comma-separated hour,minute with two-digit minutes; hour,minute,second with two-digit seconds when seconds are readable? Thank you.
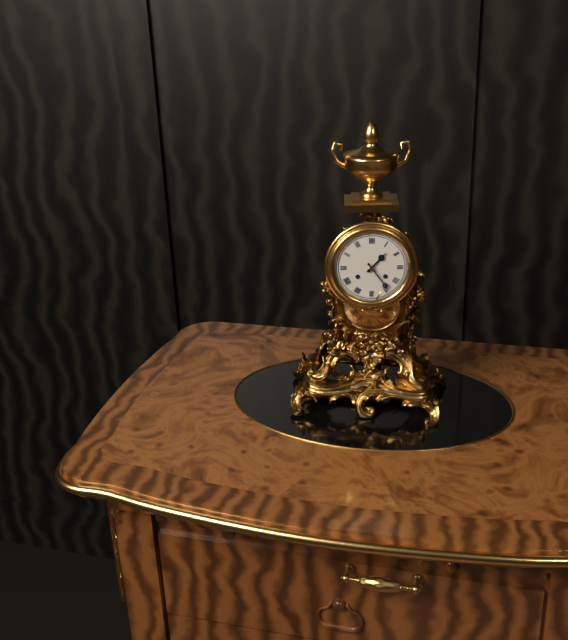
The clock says 1,24
